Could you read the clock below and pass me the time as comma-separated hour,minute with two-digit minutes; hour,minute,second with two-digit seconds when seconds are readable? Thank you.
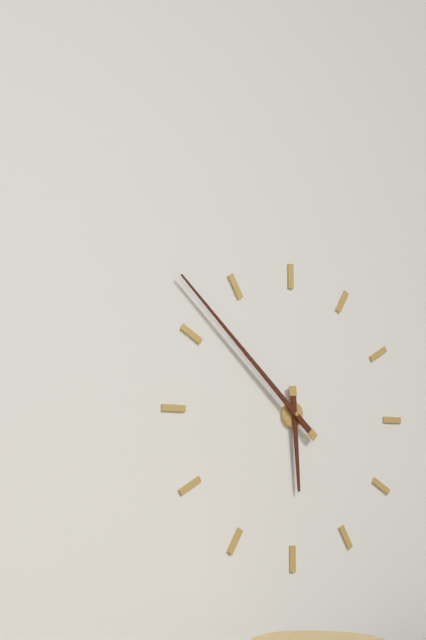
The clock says 5,52
